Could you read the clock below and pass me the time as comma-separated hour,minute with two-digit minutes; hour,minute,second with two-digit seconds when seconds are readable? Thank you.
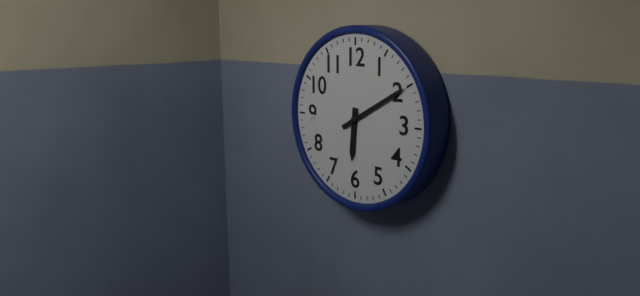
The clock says 6,10
